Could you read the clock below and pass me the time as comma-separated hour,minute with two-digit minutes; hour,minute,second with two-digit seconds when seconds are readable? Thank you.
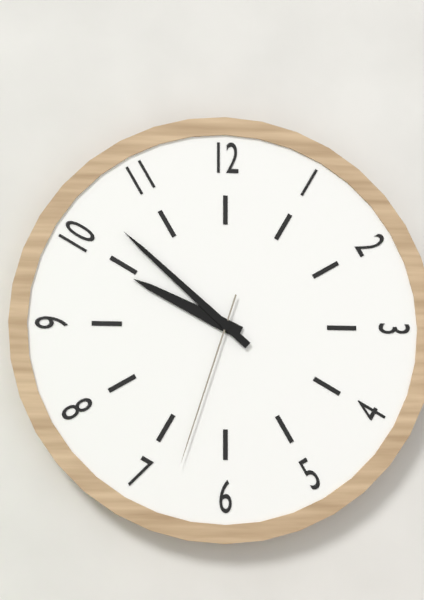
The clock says 9,52,33
